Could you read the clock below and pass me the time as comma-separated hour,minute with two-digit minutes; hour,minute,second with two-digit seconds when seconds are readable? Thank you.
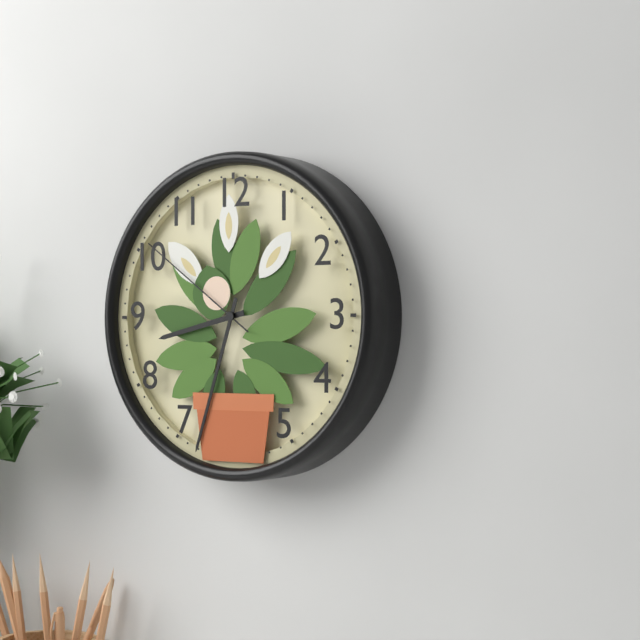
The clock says 8,33,51
